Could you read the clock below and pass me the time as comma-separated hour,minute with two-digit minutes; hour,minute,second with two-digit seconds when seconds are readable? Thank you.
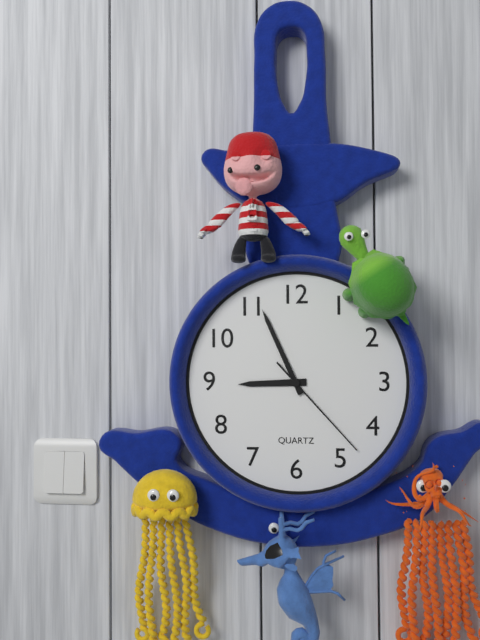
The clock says 8,56,23
